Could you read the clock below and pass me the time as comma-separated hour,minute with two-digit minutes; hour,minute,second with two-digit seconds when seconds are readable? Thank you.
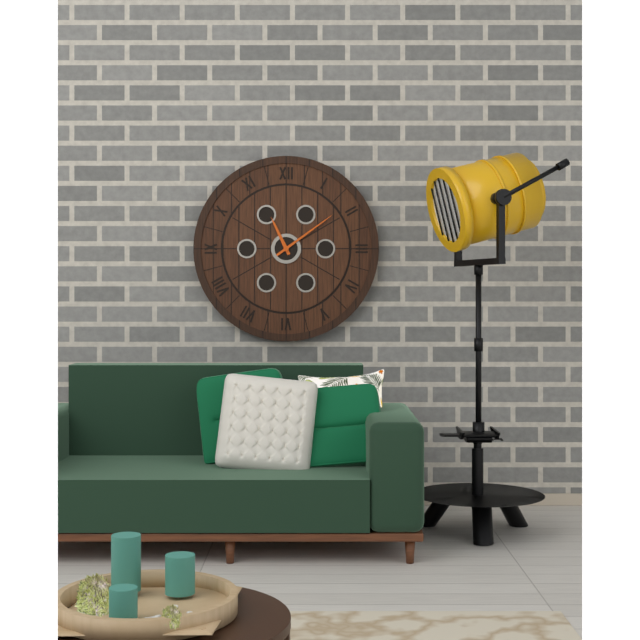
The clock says 11,09
